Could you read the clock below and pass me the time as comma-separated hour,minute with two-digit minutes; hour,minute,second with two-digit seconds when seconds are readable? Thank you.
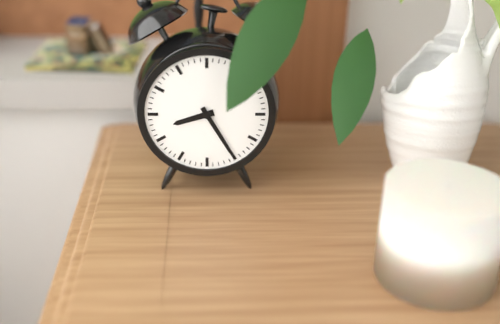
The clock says 8,25
